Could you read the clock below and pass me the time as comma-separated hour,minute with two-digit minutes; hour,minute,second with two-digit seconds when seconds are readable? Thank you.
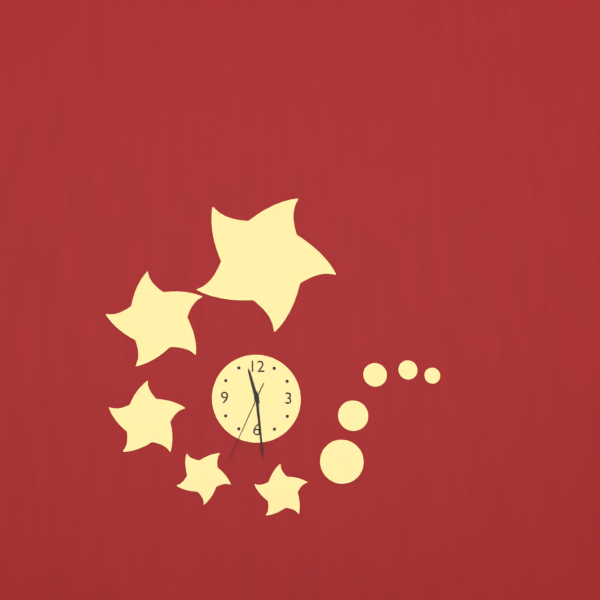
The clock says 11,29,34
